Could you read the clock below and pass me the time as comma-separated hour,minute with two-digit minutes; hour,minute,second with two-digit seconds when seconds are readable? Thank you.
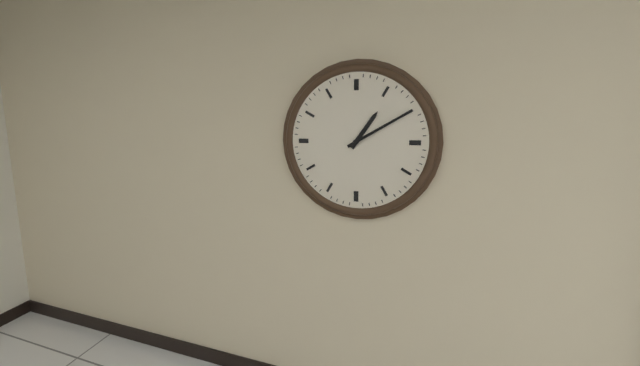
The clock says 1,10
